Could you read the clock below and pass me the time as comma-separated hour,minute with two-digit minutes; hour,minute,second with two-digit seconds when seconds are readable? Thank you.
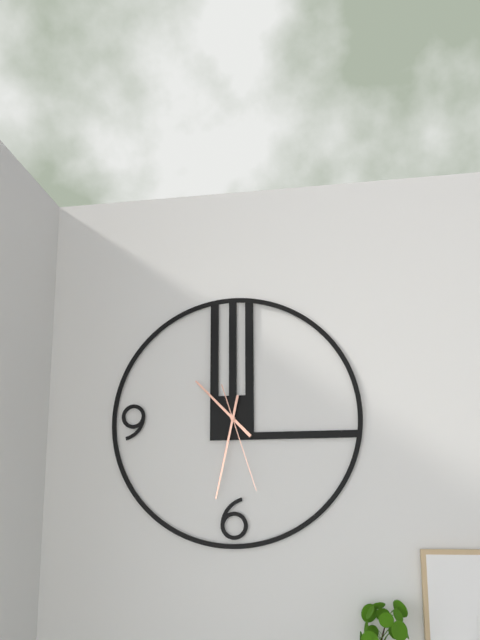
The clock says 10,32,27
